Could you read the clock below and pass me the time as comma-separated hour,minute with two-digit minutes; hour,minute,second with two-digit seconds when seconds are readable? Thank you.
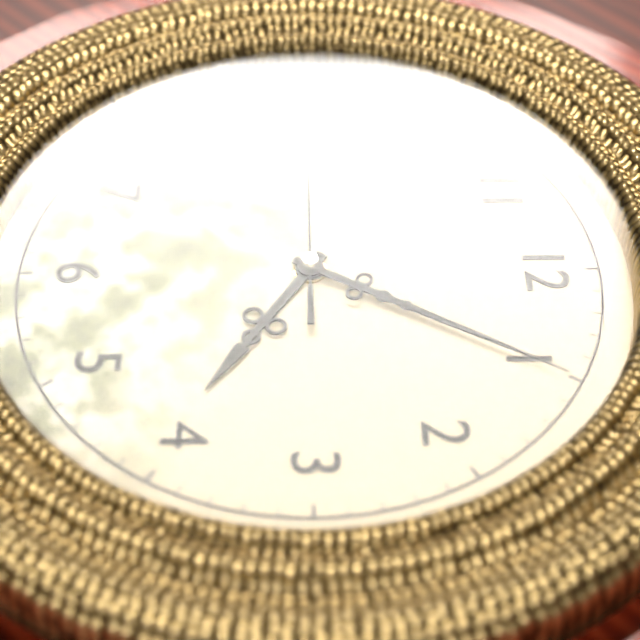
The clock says 4,05,45
